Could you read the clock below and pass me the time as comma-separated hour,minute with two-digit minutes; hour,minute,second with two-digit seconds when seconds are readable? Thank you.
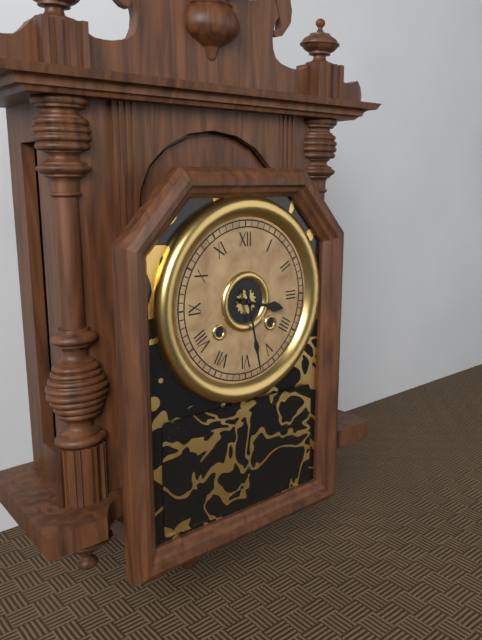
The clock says 3,28
